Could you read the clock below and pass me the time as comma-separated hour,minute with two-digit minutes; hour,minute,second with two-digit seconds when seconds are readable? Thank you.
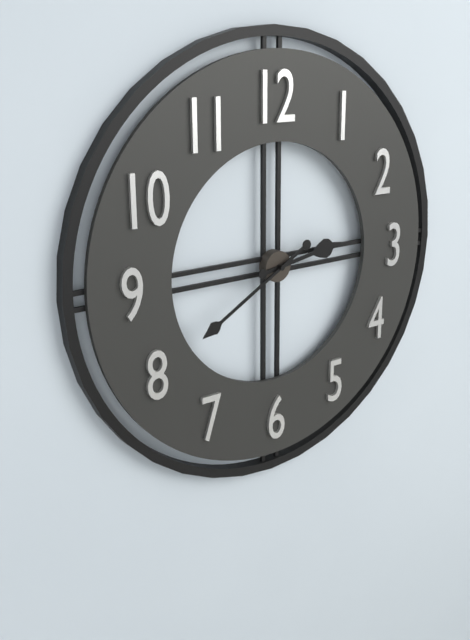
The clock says 2,40
